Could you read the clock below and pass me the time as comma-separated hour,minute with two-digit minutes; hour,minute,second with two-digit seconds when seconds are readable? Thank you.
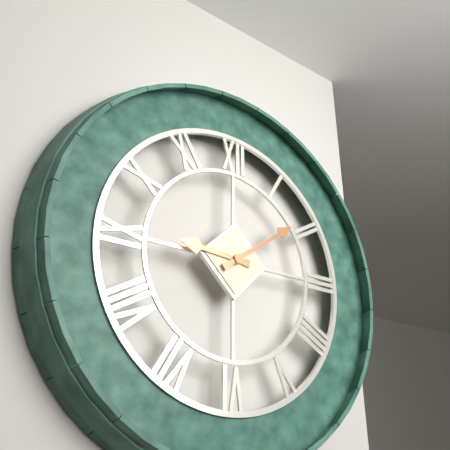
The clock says 9,09
